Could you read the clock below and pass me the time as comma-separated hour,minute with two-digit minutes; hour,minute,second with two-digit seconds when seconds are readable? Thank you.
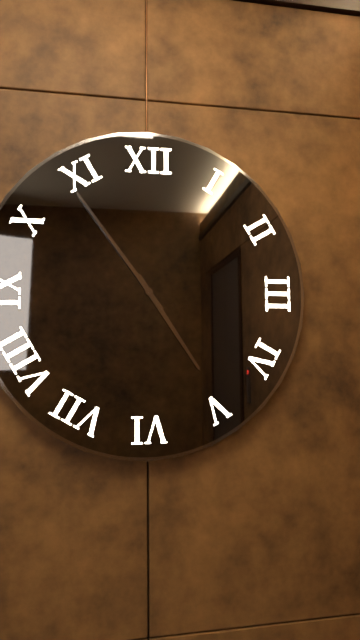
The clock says 4,54
